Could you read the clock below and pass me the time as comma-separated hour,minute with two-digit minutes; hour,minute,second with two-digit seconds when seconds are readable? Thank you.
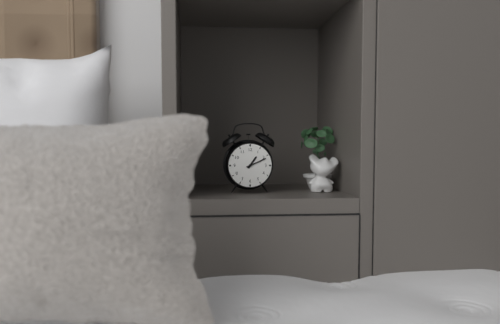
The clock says 1,11
